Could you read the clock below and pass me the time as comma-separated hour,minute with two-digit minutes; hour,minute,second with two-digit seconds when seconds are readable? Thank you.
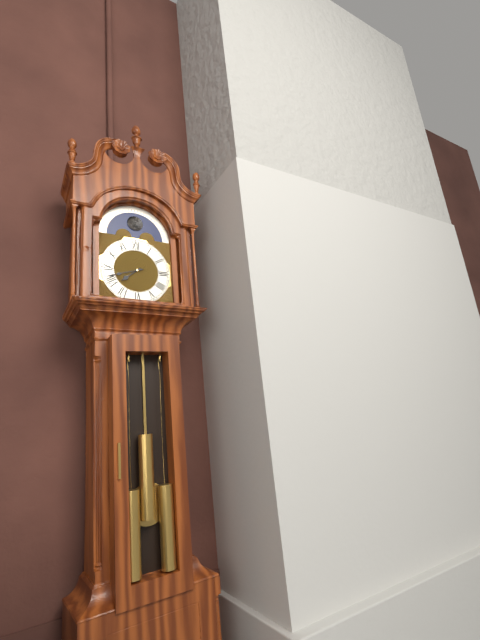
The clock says 7,42
